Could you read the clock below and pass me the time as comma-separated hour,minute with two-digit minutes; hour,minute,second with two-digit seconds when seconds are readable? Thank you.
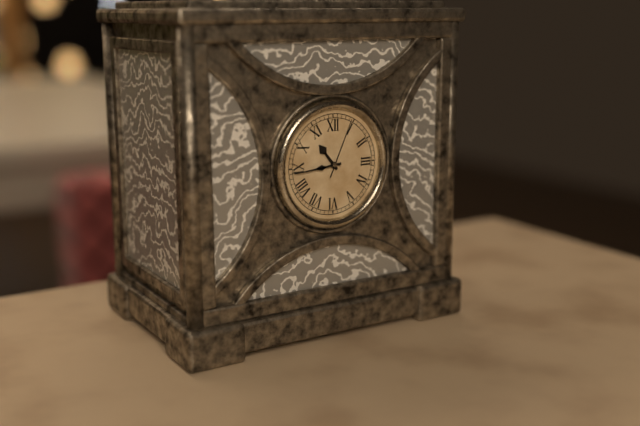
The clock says 10,44,04
